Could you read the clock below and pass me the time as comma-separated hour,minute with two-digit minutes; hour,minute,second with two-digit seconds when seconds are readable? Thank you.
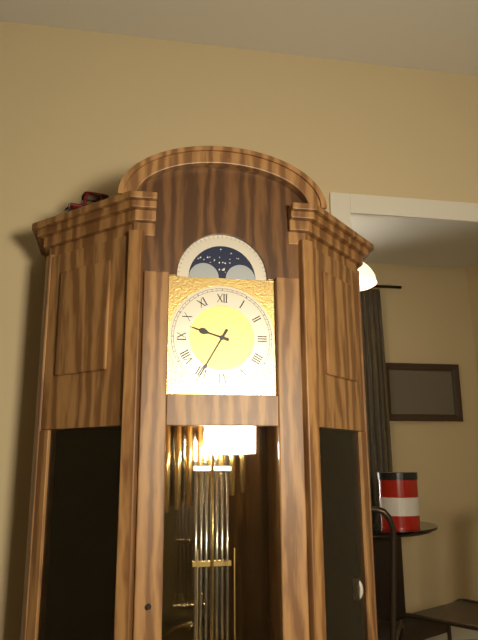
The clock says 9,35
